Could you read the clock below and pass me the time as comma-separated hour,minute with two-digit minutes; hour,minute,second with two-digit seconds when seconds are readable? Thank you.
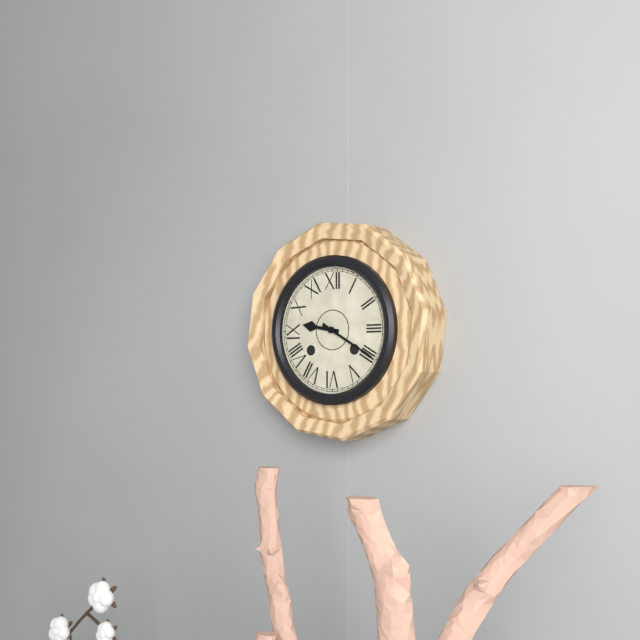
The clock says 9,20
